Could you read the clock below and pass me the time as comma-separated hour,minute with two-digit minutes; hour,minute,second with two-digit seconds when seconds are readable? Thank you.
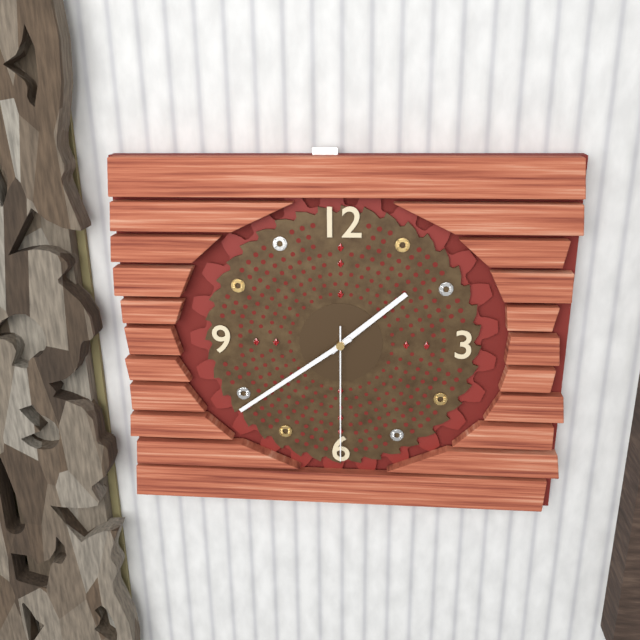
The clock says 1,39,30
